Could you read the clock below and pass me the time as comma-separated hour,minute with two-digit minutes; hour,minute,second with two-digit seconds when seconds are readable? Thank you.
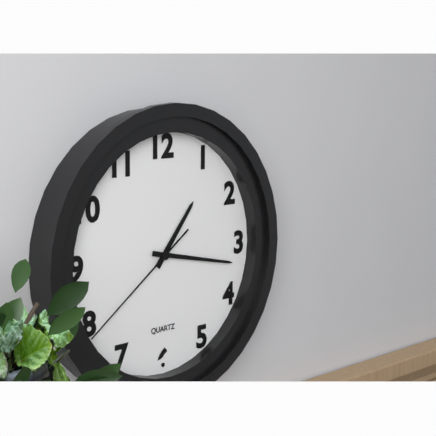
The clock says 1,17,39
